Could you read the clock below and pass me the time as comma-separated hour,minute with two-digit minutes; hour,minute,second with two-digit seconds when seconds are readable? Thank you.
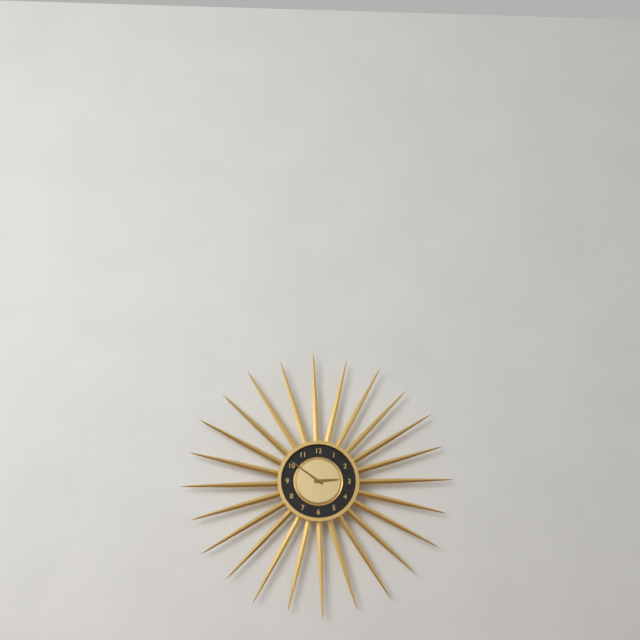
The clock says 2,51
